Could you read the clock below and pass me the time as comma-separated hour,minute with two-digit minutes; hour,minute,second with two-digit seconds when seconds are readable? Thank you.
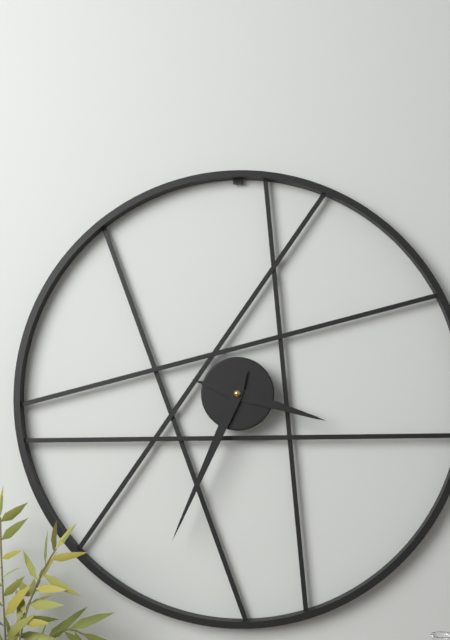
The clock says 3,34
